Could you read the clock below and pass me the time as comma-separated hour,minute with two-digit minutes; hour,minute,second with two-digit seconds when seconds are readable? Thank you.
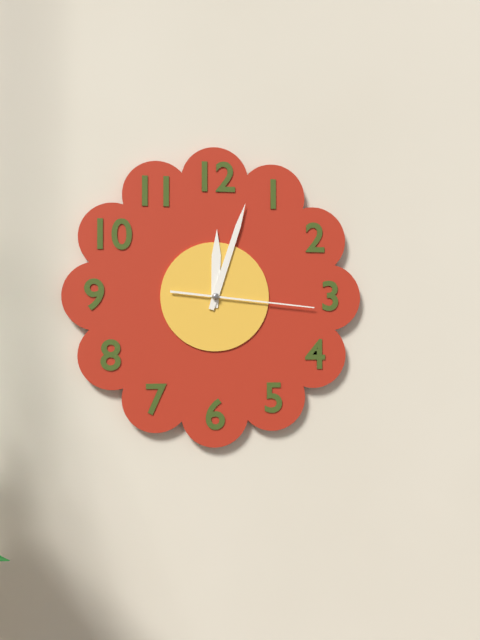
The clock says 12,03,16
